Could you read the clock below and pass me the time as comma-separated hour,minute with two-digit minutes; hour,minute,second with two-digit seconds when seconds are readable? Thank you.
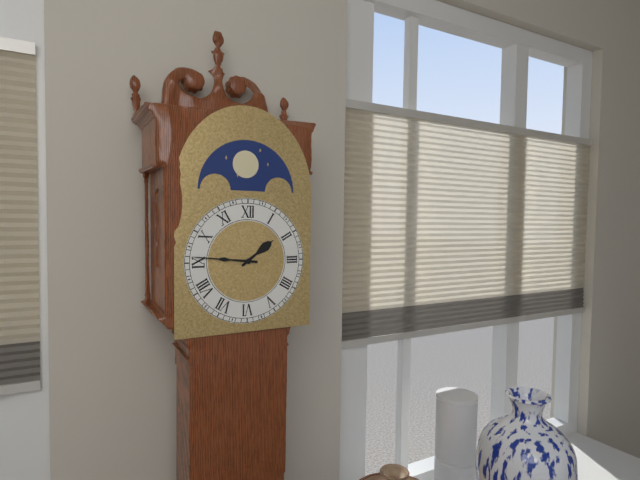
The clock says 1,46
